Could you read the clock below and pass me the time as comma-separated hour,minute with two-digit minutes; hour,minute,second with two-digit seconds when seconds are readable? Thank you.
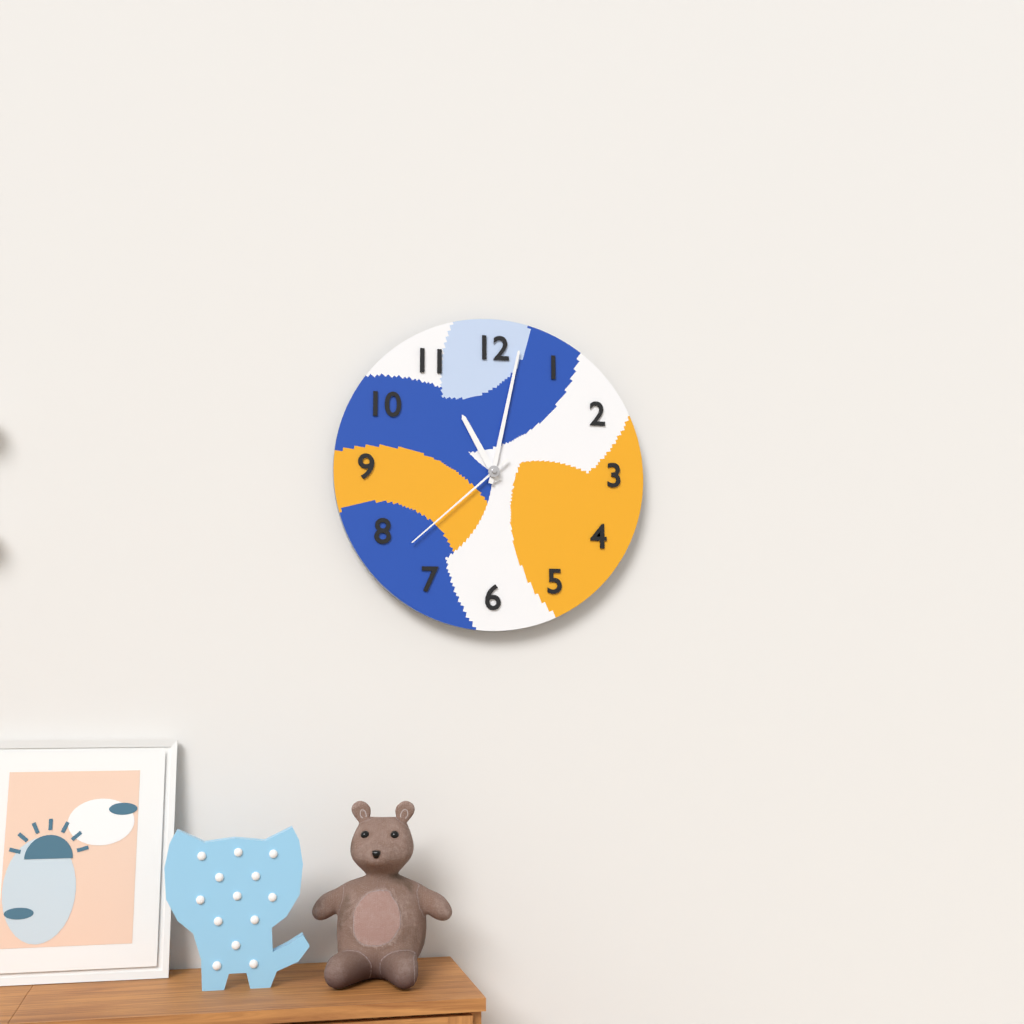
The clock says 11,02,38
